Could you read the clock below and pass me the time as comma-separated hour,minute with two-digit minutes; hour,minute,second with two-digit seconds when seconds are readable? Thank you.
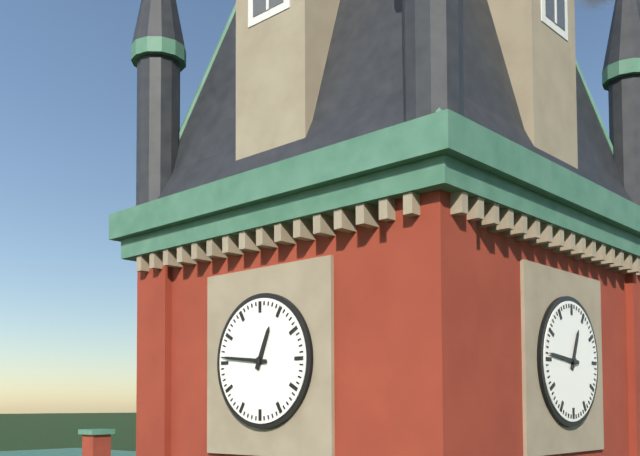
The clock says 12,46
